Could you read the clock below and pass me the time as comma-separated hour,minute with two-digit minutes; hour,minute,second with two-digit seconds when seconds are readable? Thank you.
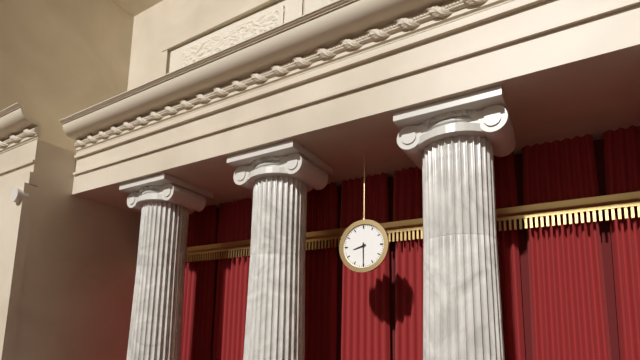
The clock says 8,30
